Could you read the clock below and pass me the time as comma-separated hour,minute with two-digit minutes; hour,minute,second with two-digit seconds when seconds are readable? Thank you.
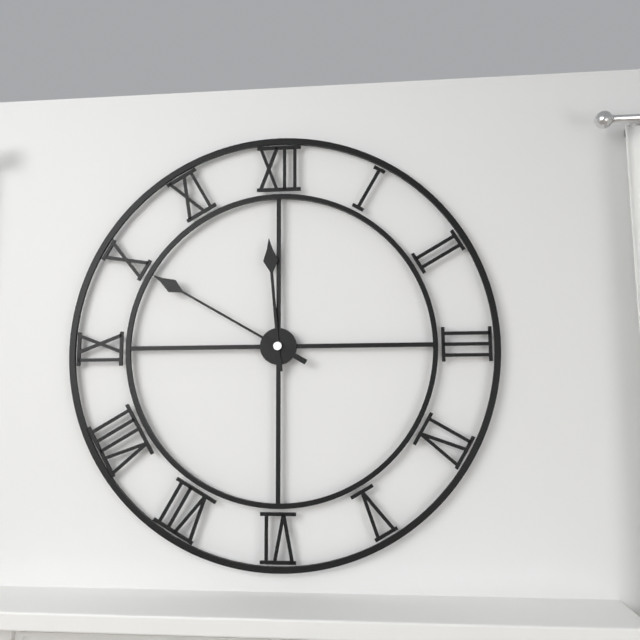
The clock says 11,50
